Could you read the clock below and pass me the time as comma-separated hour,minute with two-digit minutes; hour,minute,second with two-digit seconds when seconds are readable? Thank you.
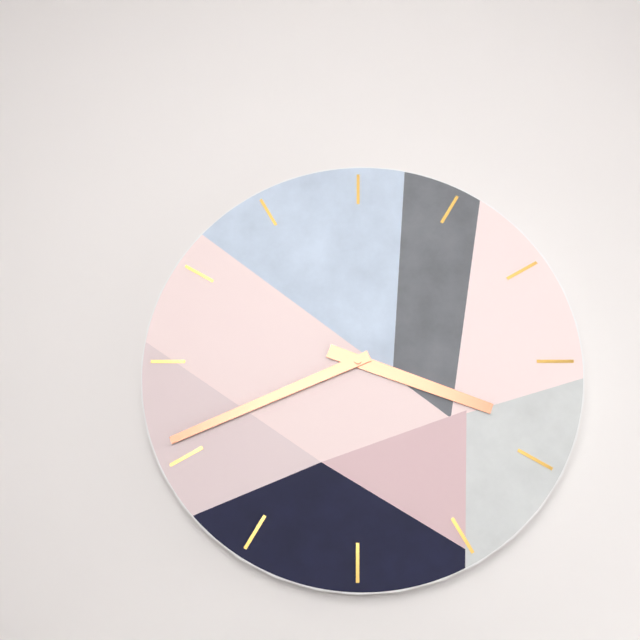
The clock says 3,41
